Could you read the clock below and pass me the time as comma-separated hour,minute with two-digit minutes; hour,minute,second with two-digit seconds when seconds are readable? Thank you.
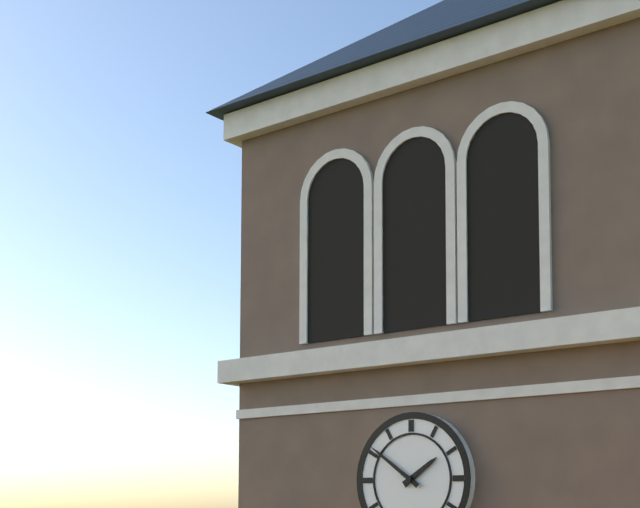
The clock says 1,51
